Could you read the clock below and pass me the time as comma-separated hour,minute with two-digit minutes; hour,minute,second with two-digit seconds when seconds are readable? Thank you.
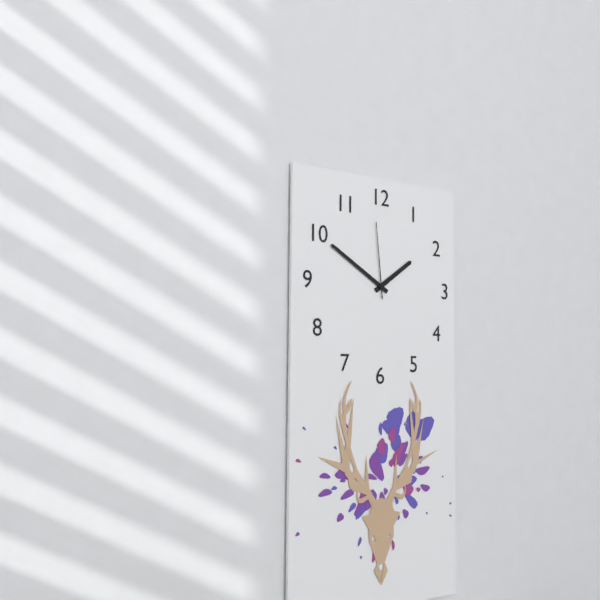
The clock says 1,50,59
